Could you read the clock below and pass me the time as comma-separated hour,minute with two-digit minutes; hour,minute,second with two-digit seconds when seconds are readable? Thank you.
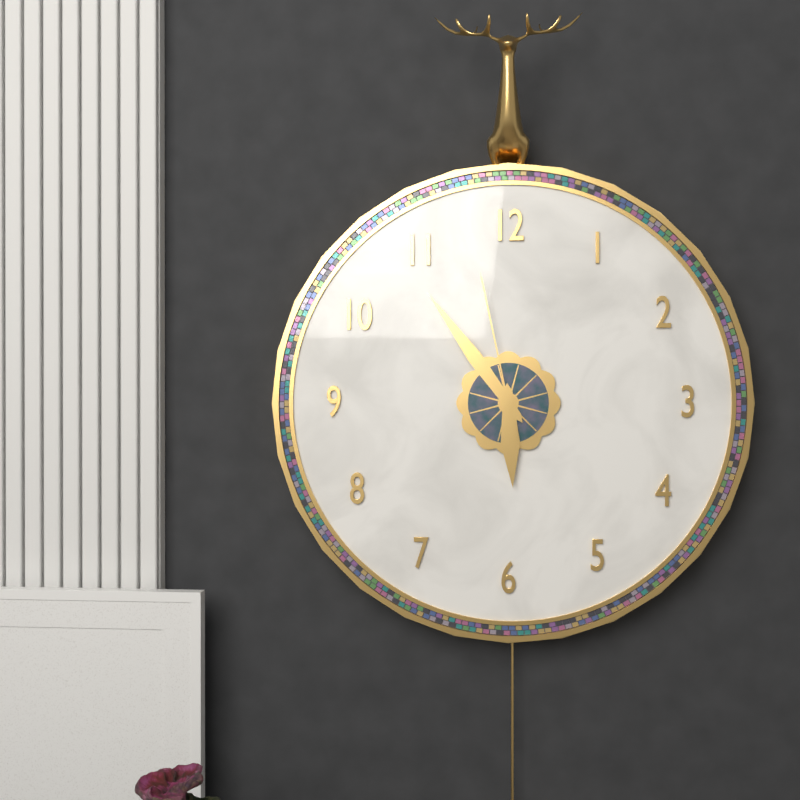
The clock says 5,54,58
